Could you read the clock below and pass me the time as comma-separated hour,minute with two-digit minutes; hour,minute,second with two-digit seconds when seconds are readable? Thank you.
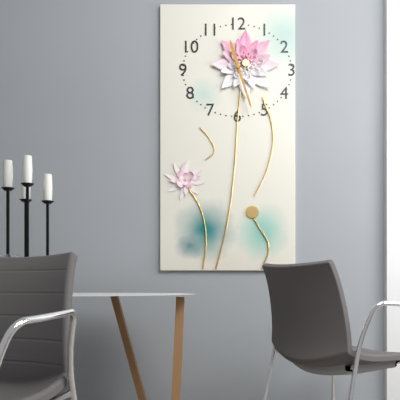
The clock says 11,27
